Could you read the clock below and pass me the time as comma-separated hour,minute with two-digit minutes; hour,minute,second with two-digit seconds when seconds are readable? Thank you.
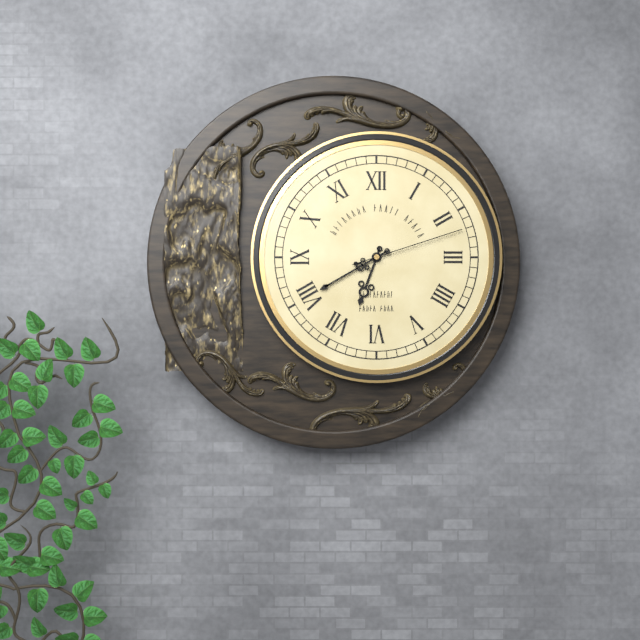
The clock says 6,40,12
